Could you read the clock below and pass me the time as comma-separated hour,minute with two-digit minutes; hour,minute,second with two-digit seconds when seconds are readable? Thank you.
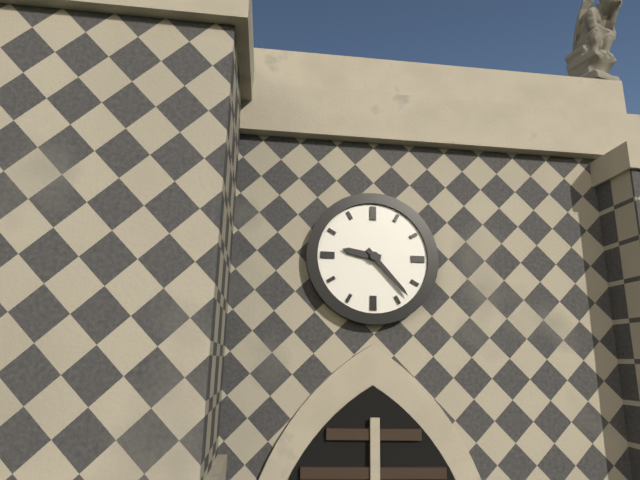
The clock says 9,23
